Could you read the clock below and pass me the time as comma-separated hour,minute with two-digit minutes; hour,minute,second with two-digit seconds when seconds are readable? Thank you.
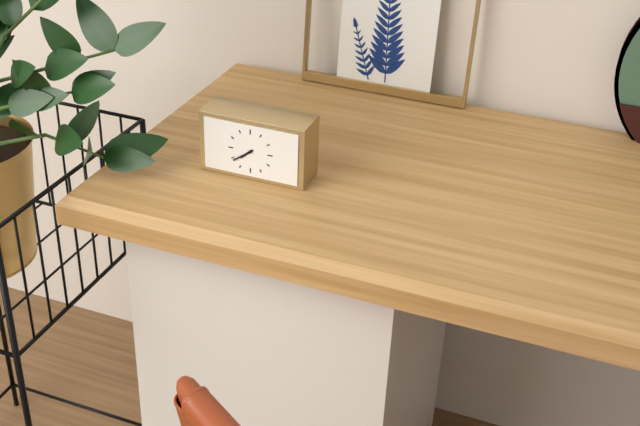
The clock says 7,39
